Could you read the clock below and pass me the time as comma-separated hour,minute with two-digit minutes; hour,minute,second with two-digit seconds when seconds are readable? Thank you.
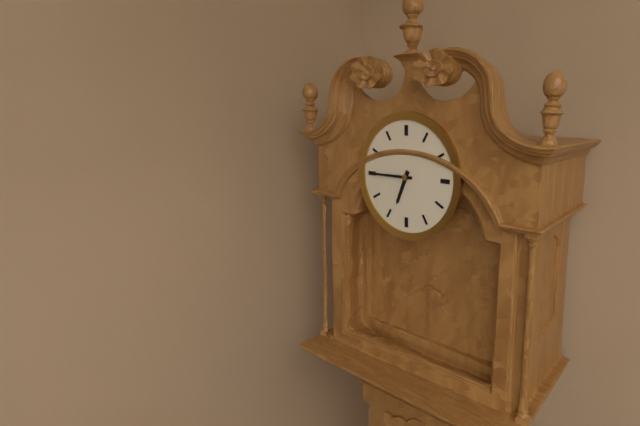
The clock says 6,45
